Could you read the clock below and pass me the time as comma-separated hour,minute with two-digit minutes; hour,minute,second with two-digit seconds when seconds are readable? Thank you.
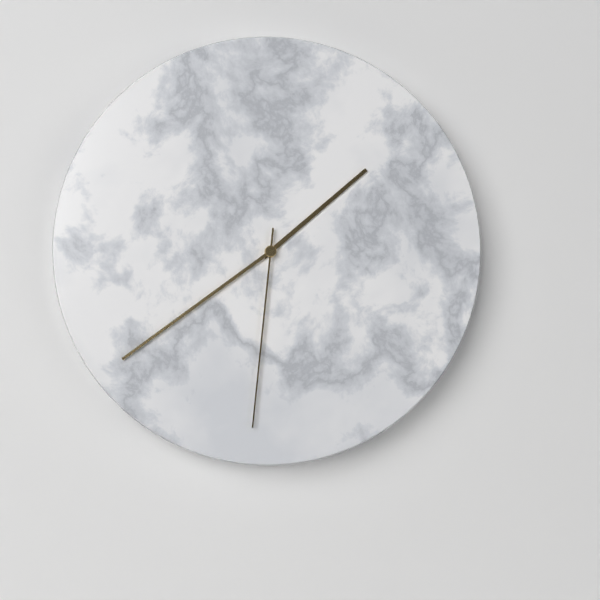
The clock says 1,39,31
